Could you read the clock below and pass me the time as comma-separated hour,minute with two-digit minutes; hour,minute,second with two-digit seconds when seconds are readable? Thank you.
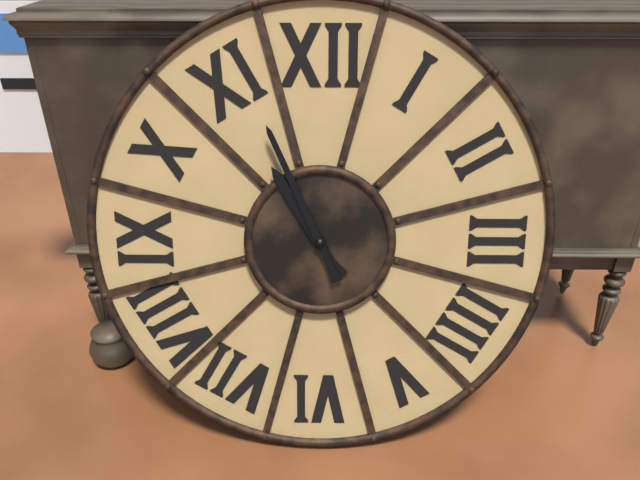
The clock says 10,56
